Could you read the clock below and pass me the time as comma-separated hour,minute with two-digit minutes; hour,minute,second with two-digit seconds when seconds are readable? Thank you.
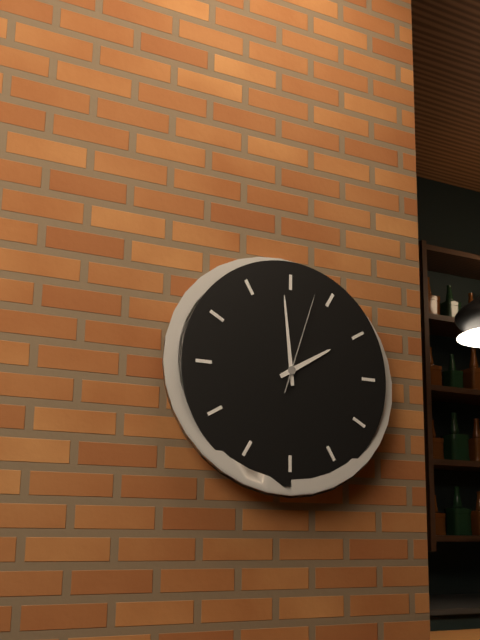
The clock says 1,59,03
